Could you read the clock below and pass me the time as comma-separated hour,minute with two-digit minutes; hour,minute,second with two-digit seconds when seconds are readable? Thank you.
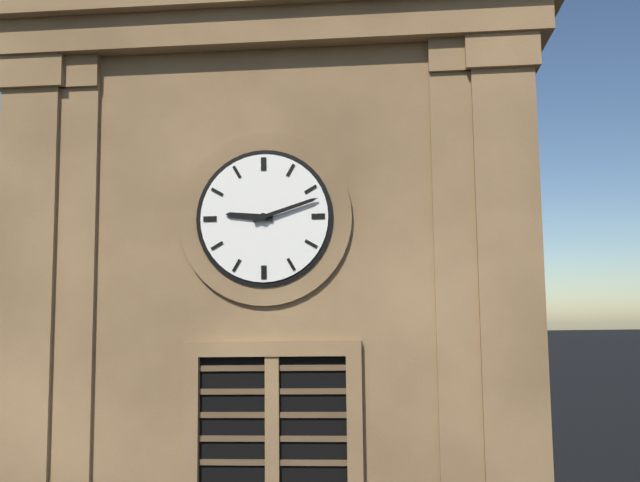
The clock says 9,12
